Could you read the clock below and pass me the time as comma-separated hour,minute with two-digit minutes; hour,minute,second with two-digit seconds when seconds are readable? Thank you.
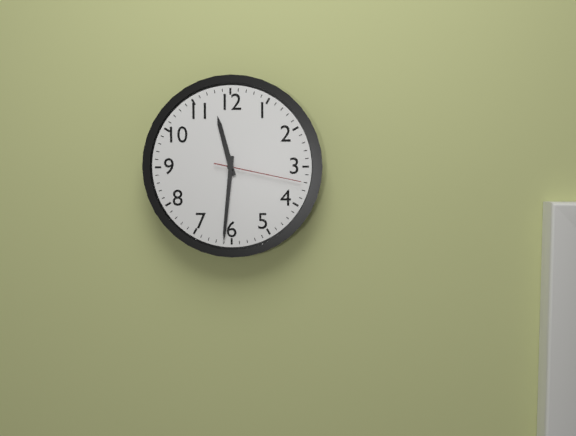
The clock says 11,31,17
